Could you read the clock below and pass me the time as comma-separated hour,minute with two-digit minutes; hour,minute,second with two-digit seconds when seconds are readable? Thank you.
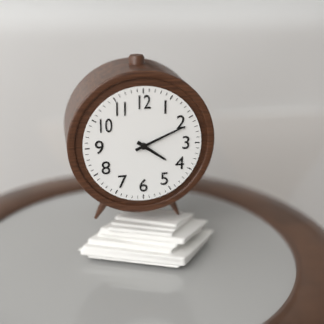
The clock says 4,11
